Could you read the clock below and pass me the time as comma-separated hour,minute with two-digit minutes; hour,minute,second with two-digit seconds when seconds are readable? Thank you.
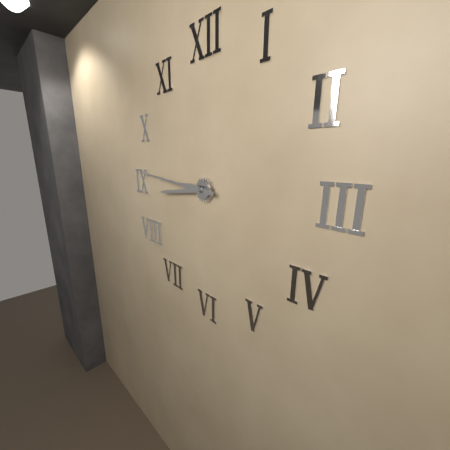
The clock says 8,46
